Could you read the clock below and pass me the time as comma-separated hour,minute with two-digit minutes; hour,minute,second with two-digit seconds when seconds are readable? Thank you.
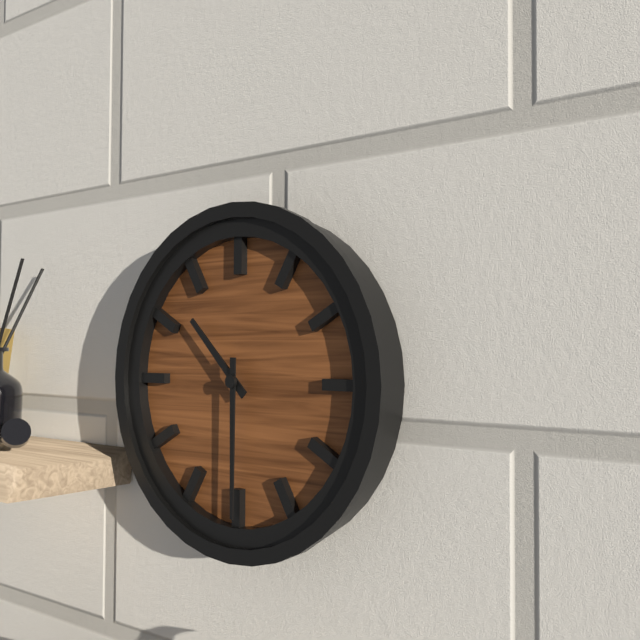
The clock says 10,30
